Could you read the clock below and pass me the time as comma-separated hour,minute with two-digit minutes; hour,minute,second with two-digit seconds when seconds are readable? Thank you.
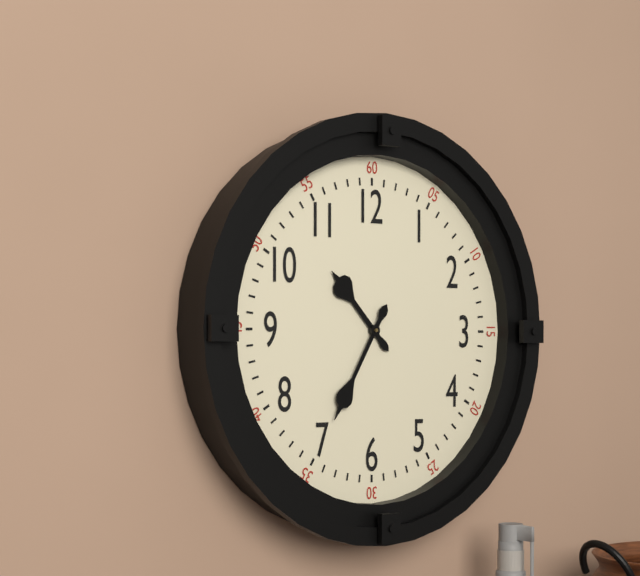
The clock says 10,35
